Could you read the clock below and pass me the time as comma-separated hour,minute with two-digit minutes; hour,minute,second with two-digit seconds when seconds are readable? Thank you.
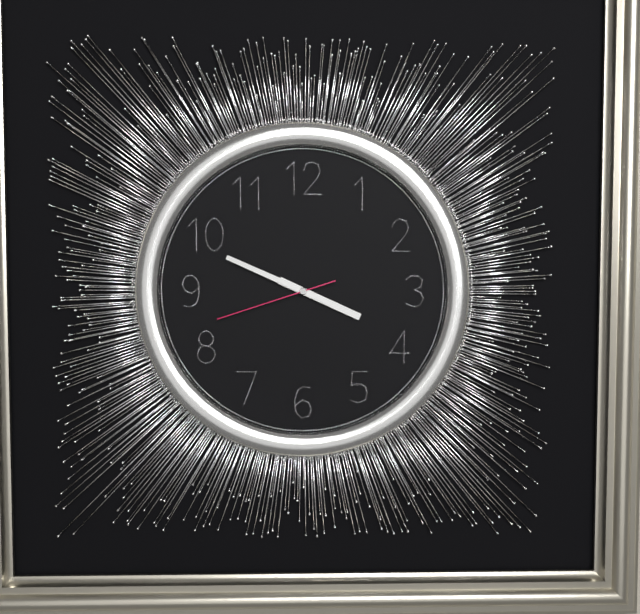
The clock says 3,49,42
